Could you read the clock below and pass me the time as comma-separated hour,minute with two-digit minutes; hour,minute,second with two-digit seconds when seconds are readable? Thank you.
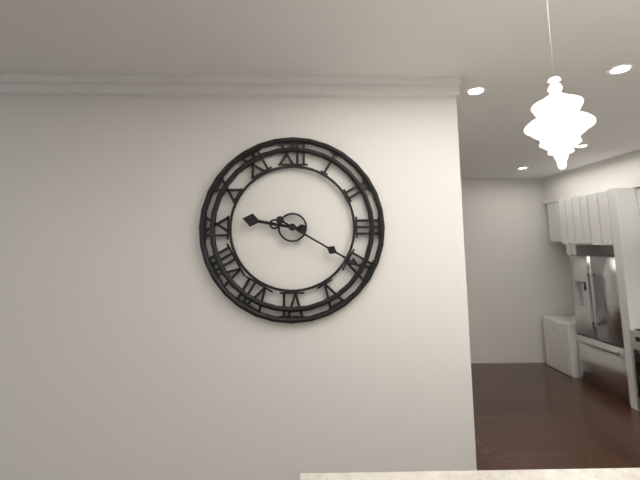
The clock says 9,20
